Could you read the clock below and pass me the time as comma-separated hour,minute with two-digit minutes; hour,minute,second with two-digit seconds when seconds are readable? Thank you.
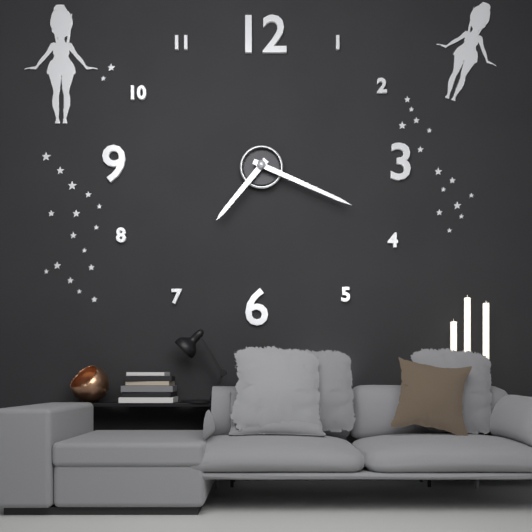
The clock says 7,19
